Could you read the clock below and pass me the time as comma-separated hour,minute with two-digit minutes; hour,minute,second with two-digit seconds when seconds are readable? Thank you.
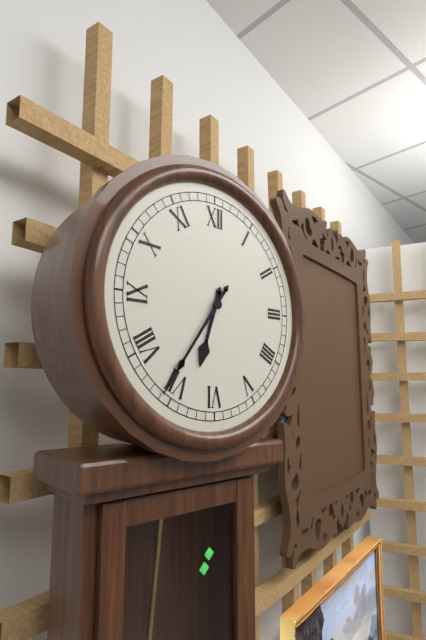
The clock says 6,36
